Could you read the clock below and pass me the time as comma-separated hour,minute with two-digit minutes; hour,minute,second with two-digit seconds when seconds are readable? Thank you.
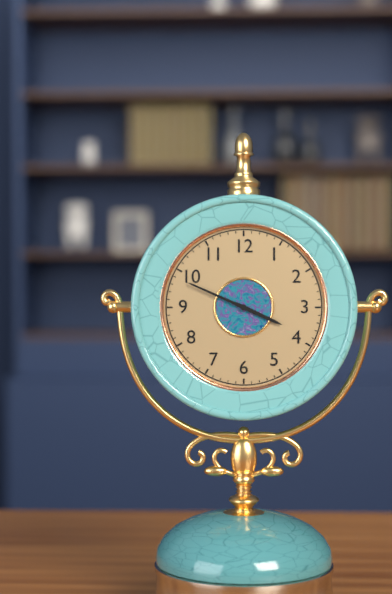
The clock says 3,49
